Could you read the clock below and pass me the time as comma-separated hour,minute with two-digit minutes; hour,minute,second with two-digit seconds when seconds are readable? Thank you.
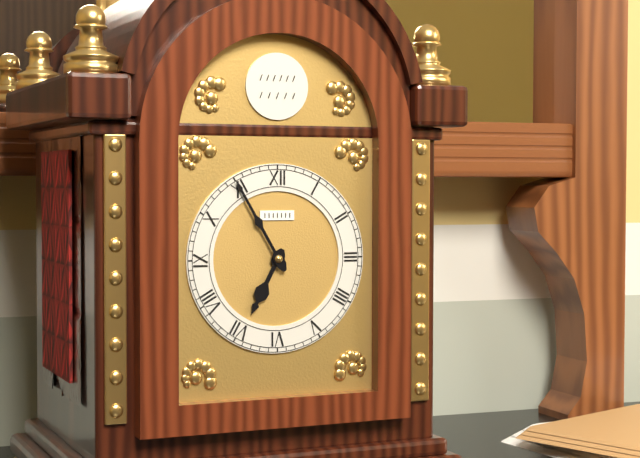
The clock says 6,55
